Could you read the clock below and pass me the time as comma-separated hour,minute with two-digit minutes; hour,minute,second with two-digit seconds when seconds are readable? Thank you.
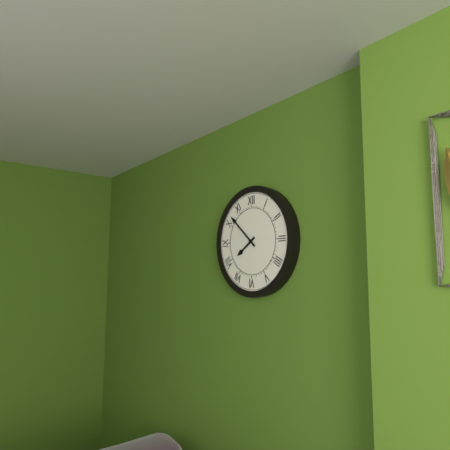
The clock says 7,52
